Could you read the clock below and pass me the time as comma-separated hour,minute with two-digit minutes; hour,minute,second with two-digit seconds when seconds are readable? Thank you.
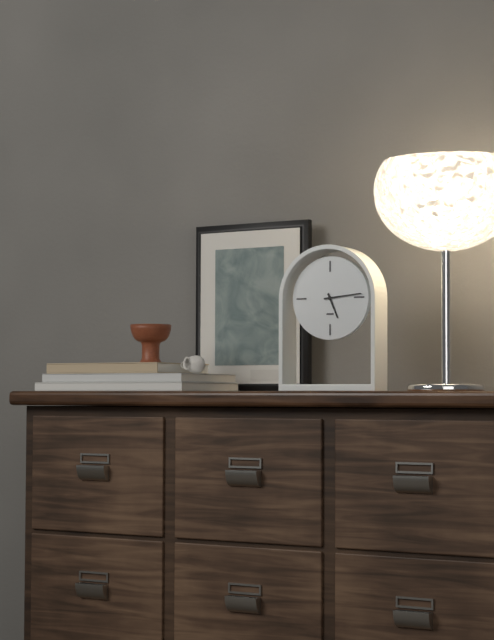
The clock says 5,14
